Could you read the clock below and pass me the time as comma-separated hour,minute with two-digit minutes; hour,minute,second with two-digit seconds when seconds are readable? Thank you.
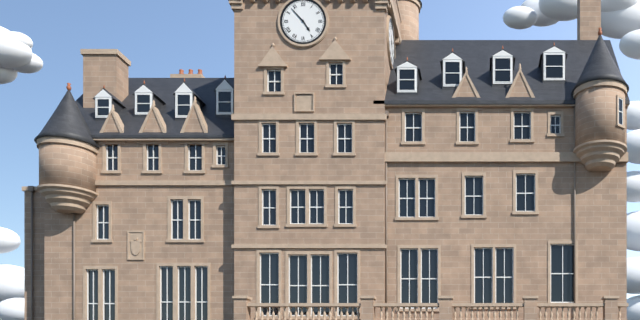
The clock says 4,53
